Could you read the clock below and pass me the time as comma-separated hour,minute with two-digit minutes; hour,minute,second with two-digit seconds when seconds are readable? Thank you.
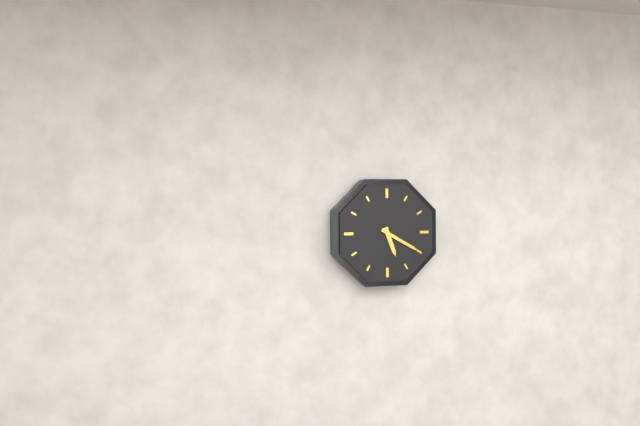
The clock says 5,20
